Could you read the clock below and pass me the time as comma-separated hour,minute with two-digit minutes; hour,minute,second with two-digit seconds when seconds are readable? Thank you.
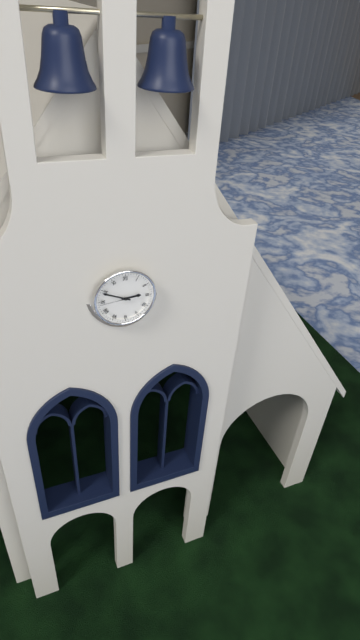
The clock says 2,49
